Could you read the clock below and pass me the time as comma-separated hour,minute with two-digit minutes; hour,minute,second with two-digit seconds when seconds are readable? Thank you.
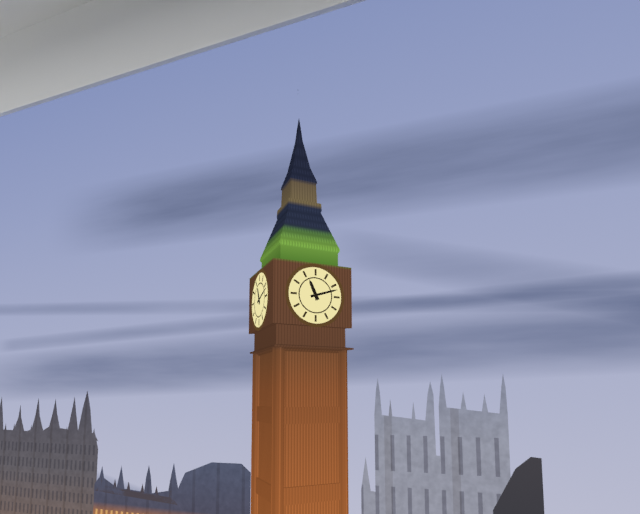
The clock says 11,12
